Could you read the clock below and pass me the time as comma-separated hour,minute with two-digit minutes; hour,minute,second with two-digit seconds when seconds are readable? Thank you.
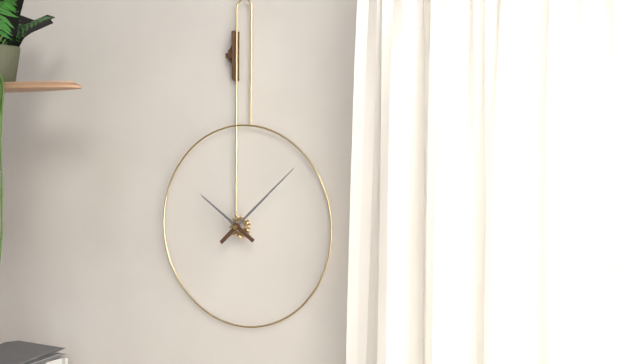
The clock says 10,08
